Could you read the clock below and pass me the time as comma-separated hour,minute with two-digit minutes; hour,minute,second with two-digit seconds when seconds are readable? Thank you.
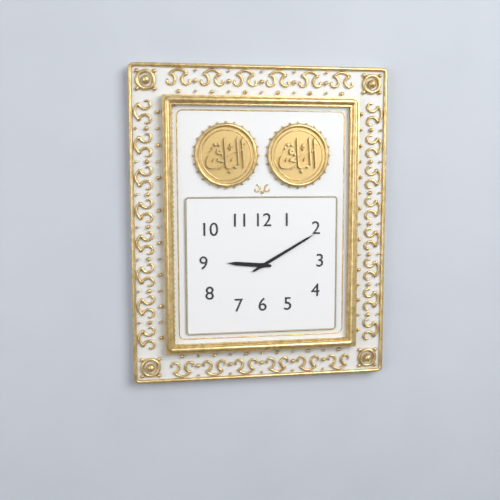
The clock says 9,10
